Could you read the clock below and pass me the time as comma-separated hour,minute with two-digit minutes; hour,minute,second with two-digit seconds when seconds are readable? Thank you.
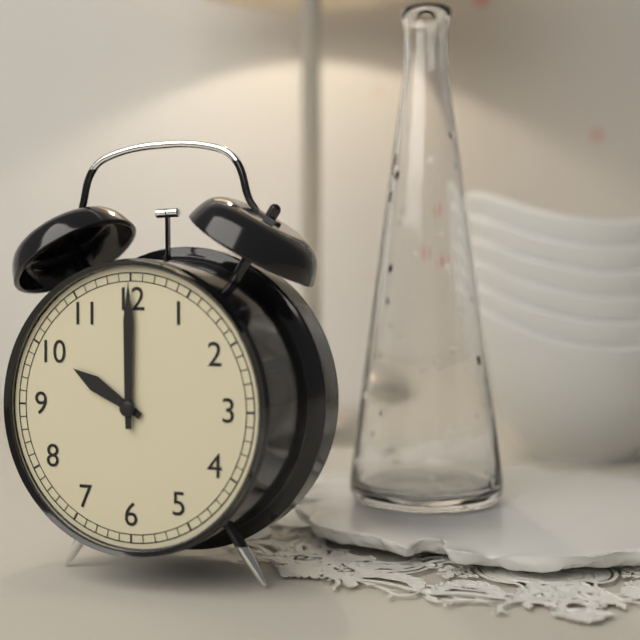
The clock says 10,00
